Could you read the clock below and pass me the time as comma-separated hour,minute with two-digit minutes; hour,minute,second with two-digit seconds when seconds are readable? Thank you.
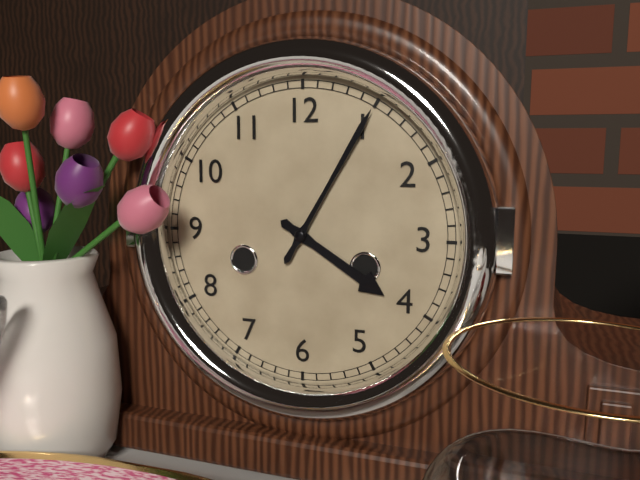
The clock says 4,05
